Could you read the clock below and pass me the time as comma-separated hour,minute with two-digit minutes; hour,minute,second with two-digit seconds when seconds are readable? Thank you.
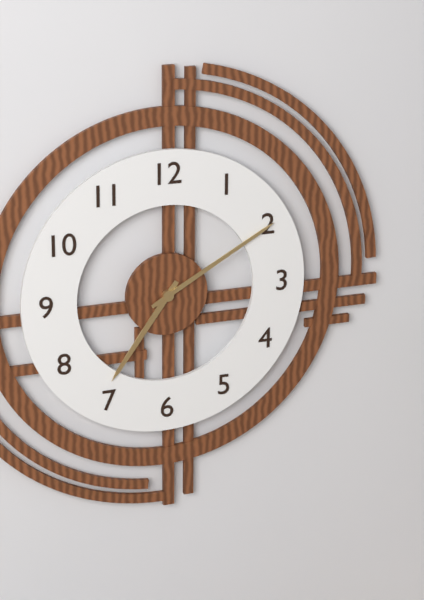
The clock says 7,10
